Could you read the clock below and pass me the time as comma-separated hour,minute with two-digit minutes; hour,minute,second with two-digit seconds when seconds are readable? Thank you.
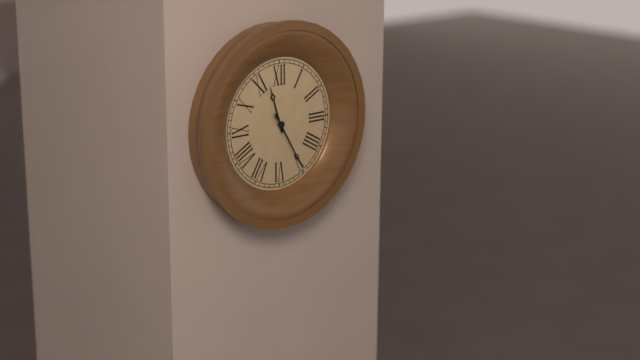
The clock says 11,25
